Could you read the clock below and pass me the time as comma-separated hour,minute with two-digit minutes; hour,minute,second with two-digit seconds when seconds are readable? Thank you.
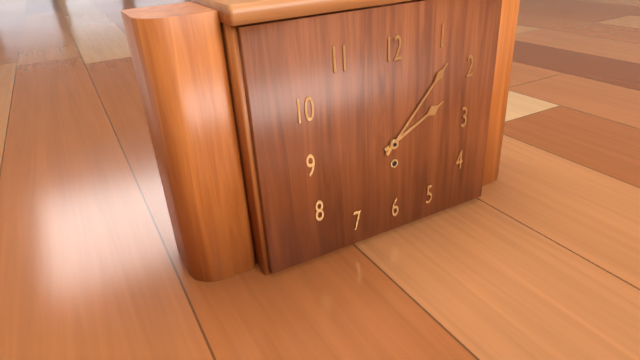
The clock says 2,07
